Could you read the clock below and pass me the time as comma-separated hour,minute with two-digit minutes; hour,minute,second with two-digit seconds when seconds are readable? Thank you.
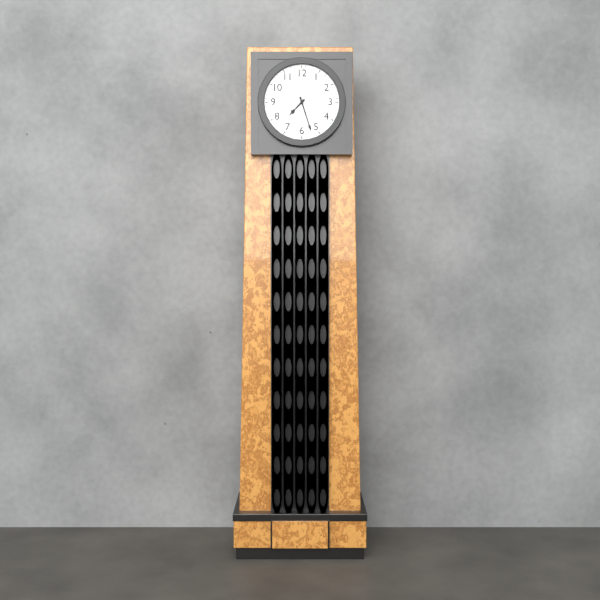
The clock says 7,27
